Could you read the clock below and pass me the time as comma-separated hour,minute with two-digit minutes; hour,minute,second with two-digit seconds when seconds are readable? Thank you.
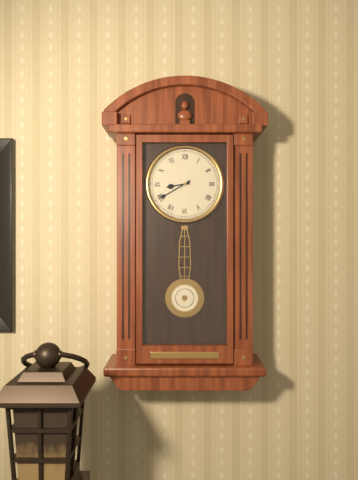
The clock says 8,40
